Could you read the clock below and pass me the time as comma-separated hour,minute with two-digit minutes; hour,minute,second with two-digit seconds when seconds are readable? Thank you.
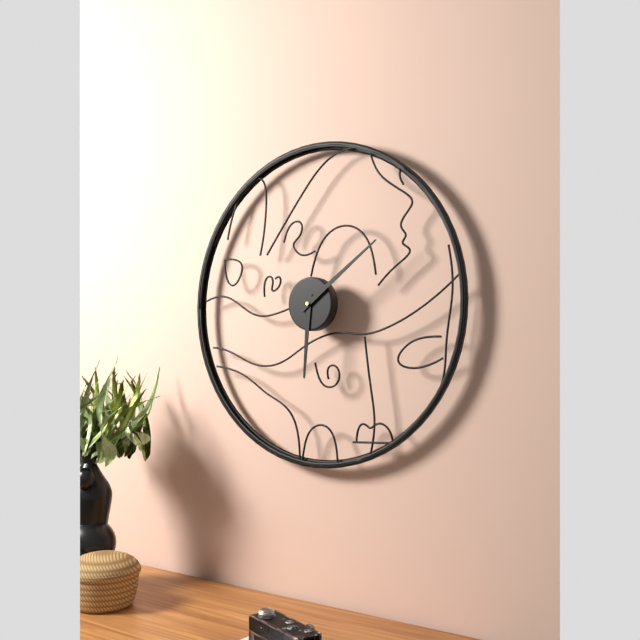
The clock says 6,09
